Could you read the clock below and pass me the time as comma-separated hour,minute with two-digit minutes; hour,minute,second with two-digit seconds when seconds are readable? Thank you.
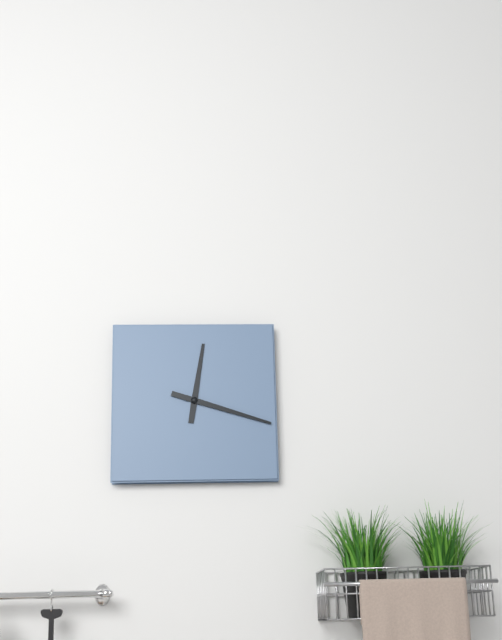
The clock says 12,18
